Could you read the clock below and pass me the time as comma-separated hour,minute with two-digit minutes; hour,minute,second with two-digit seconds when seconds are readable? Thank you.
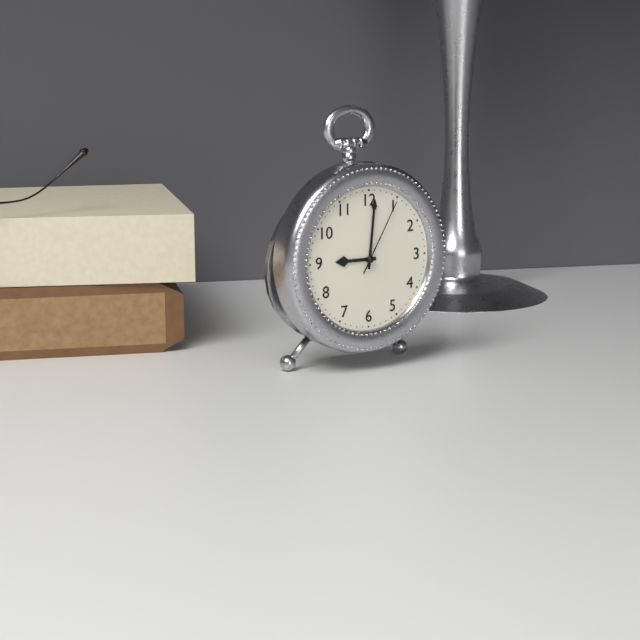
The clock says 9,01,05
